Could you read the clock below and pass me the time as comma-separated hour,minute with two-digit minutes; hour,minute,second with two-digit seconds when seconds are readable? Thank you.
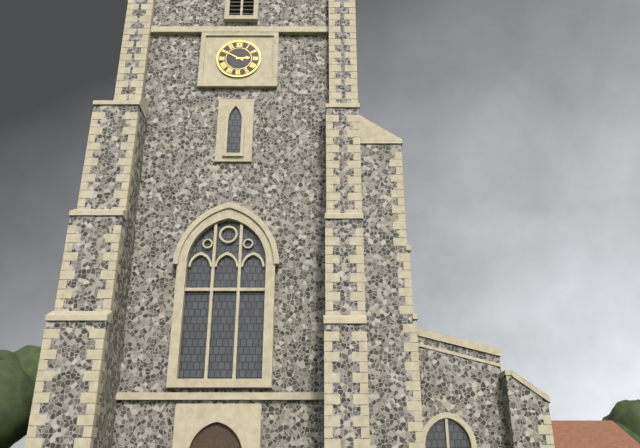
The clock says 2,50
